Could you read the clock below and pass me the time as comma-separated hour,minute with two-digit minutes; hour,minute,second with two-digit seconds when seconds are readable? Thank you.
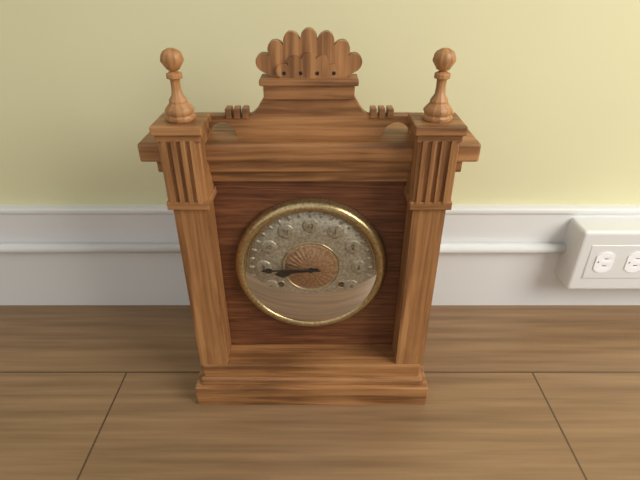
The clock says 8,45
